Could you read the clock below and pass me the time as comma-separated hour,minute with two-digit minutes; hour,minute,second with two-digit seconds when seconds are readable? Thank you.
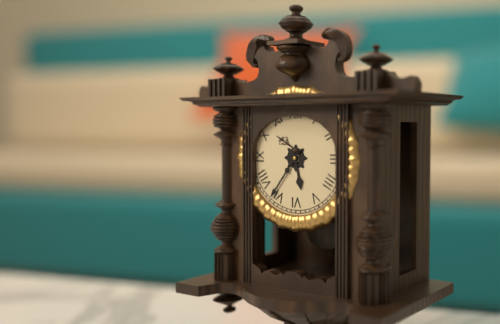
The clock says 5,36
